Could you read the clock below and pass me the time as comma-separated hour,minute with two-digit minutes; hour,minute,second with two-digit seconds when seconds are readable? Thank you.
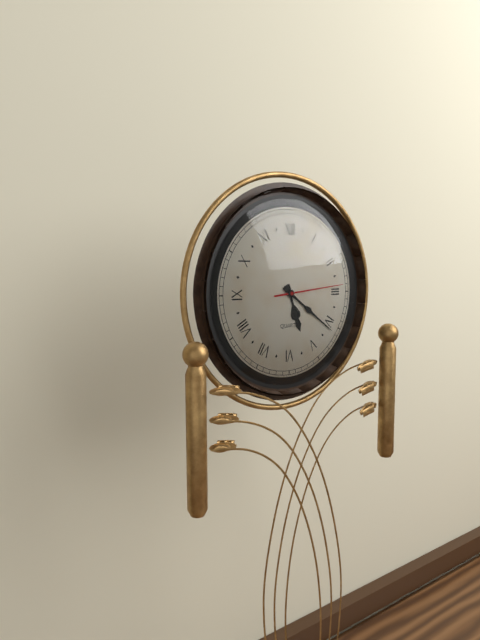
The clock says 5,21,14
